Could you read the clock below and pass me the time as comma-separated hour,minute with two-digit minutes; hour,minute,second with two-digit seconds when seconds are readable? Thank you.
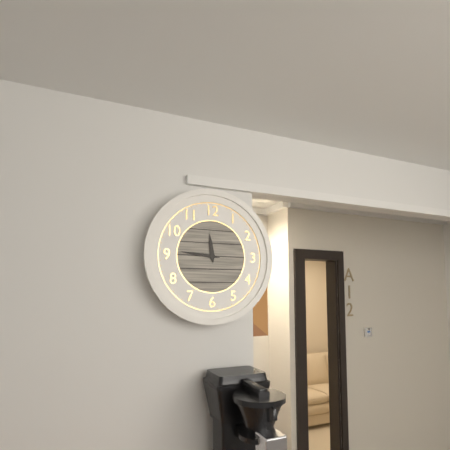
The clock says 11,46
